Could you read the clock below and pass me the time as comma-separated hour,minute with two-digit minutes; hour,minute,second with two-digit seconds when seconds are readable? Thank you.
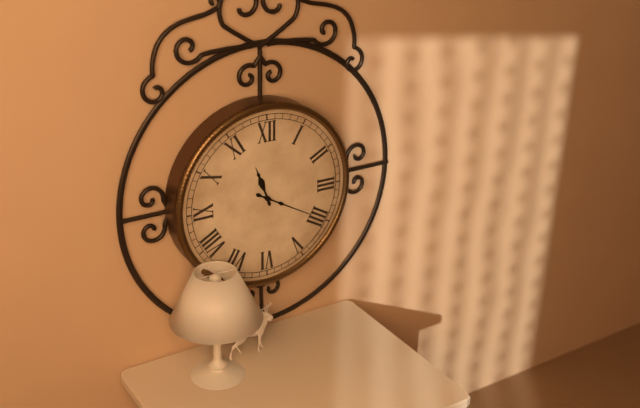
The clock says 11,20
